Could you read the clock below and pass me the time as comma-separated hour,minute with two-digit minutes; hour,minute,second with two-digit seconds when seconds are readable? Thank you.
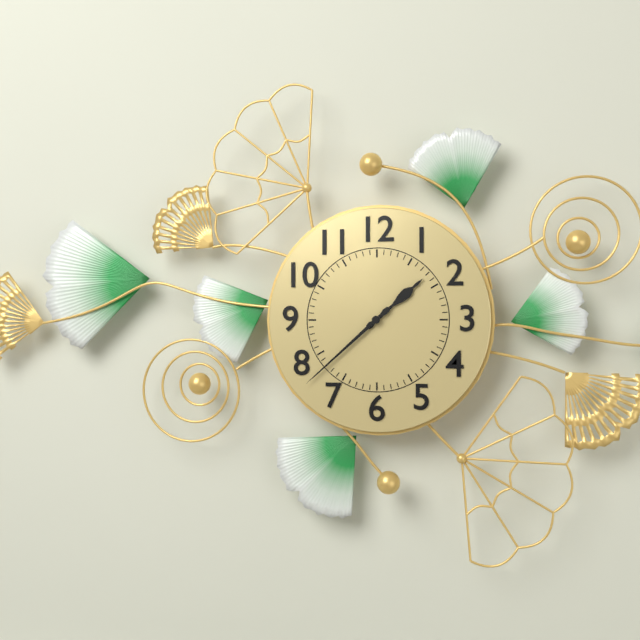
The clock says 1,38
